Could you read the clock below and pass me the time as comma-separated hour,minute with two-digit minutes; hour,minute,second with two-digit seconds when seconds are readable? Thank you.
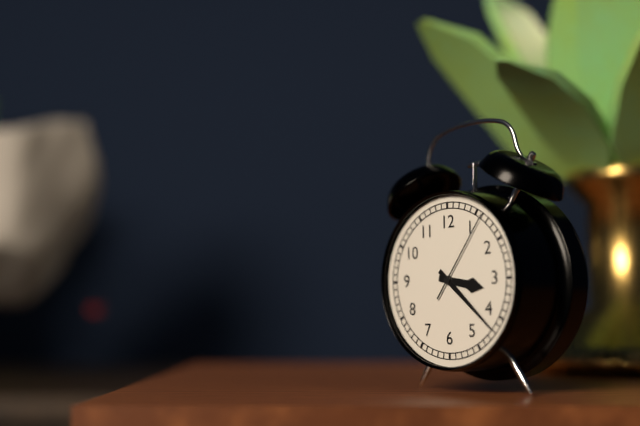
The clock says 3,22,06
